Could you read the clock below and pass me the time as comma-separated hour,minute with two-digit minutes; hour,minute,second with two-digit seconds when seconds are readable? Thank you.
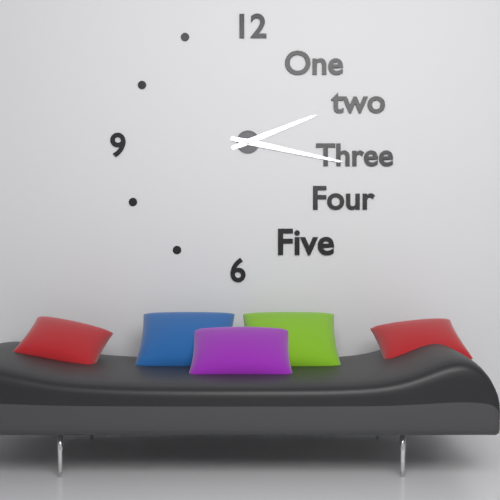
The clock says 2,17
